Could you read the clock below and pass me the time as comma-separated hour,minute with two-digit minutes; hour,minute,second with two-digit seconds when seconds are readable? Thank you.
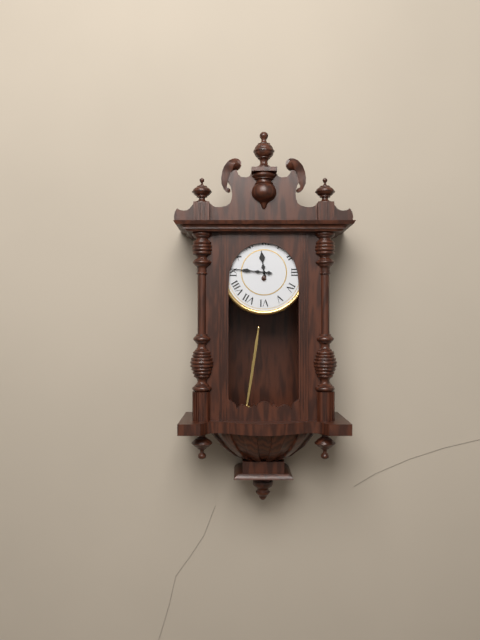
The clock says 11,46
